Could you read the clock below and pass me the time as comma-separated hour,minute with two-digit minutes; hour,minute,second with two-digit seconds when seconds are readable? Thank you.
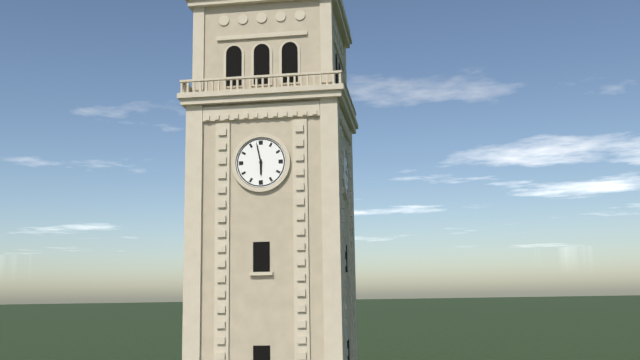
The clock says 5,58
